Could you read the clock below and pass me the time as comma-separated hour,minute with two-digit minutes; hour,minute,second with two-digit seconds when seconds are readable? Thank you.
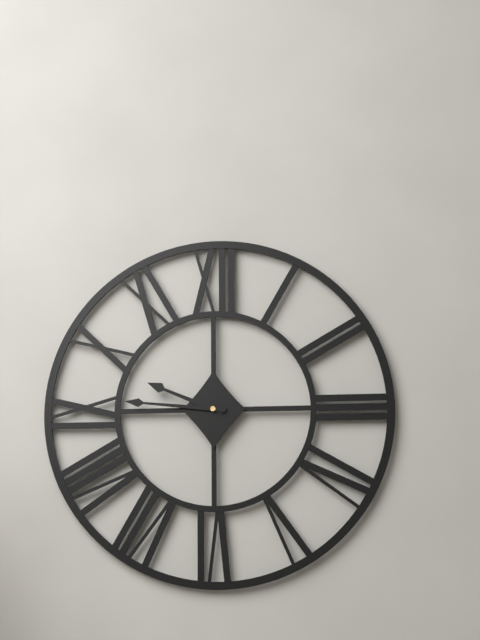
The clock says 9,46
